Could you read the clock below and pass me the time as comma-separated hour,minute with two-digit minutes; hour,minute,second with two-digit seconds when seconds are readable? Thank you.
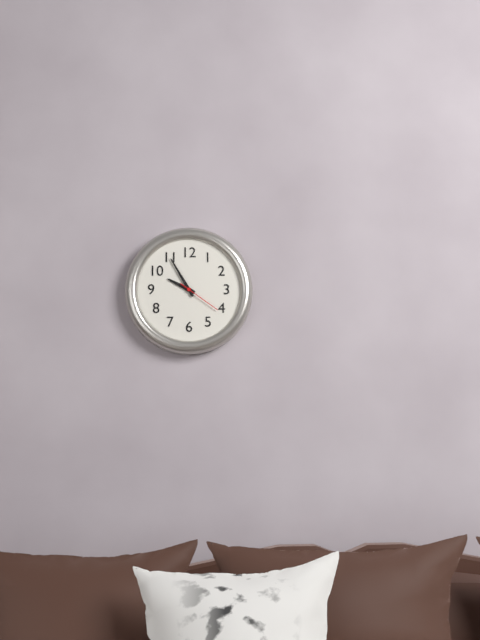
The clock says 9,55
